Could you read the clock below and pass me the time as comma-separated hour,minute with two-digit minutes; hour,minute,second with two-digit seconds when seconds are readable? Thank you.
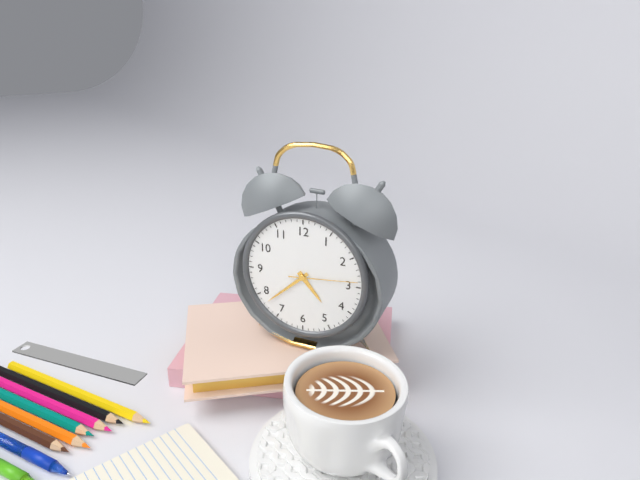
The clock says 4,38,14
